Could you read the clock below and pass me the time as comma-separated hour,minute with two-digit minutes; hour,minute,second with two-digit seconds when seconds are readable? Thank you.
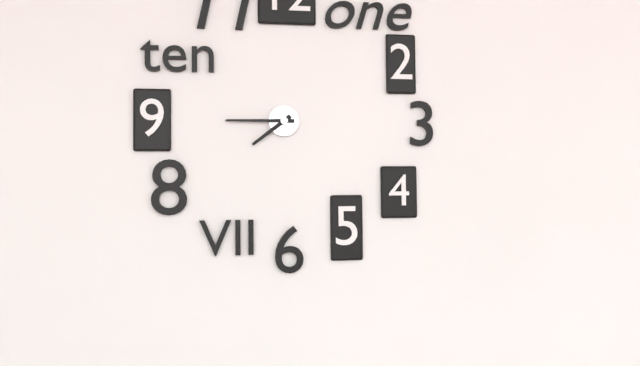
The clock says 7,45
